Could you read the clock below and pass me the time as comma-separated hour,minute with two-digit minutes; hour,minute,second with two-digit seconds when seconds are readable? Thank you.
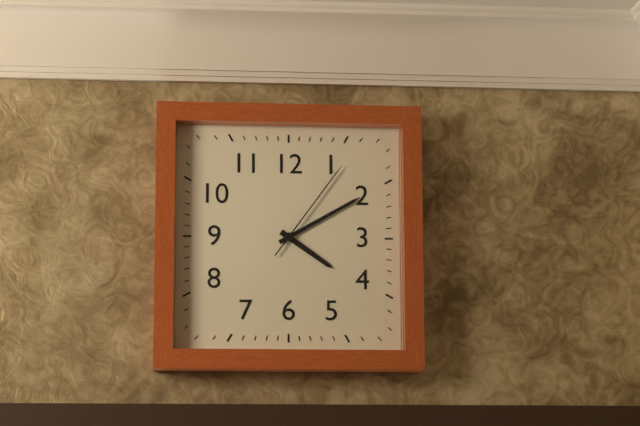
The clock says 4,10,06
